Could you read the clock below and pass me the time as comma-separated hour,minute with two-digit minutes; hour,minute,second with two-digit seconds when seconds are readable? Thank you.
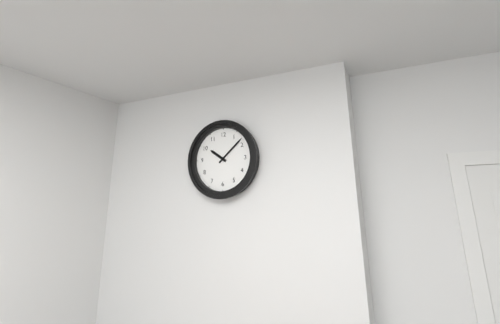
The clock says 10,08
